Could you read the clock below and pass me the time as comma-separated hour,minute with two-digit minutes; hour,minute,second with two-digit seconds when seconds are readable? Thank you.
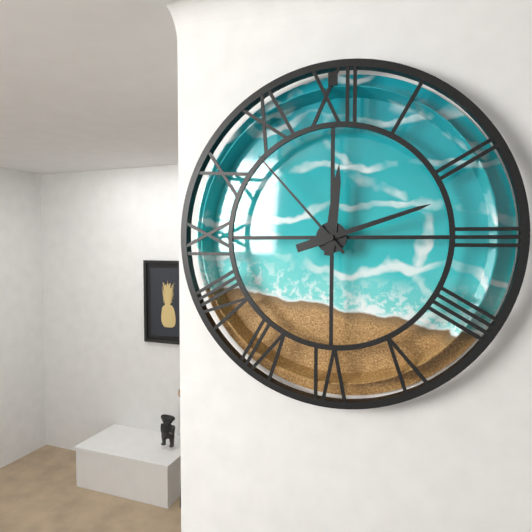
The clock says 12,12,53
